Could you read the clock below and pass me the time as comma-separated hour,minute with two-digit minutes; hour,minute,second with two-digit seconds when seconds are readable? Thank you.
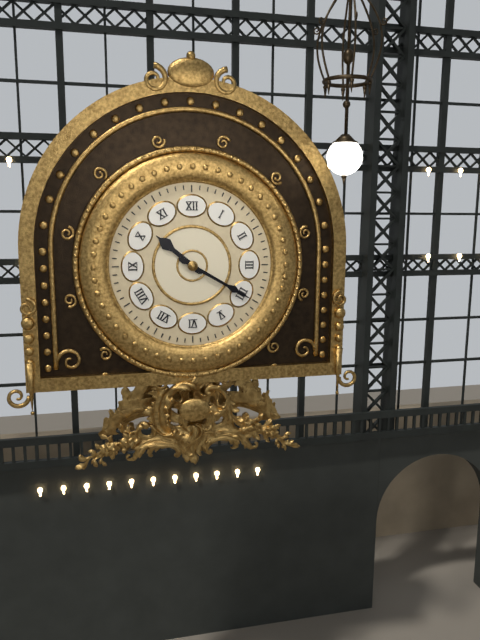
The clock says 10,20
